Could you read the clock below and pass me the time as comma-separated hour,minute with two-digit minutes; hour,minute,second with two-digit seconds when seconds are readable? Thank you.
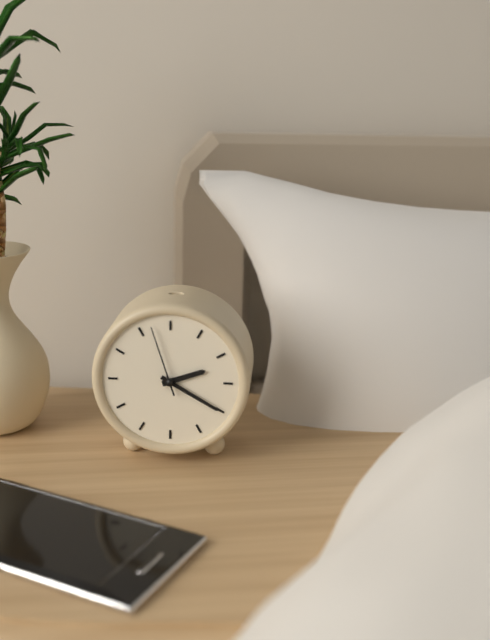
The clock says 2,20,57
